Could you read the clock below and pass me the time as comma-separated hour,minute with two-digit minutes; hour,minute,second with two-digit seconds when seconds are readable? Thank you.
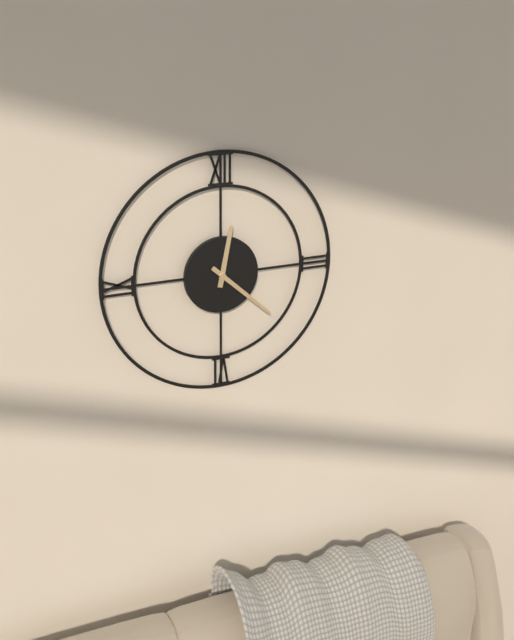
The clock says 12,22
